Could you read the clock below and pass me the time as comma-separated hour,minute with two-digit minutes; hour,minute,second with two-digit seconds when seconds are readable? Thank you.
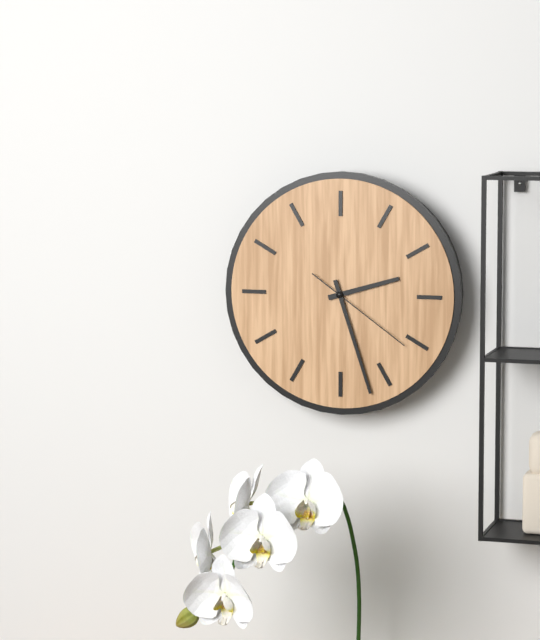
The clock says 2,27,21
